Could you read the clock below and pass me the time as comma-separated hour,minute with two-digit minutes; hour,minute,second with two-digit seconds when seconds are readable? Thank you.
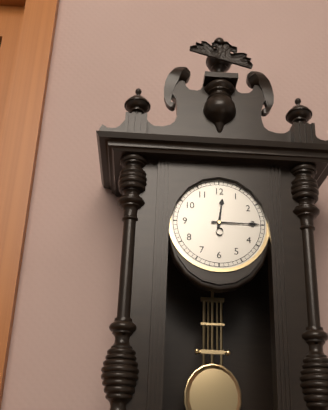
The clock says 12,15
